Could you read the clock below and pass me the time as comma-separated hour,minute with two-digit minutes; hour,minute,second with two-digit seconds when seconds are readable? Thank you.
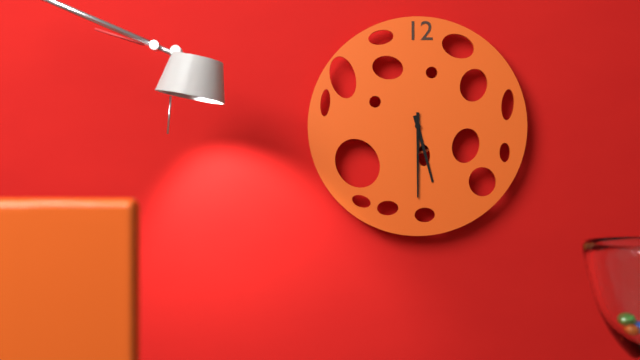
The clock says 5,30
